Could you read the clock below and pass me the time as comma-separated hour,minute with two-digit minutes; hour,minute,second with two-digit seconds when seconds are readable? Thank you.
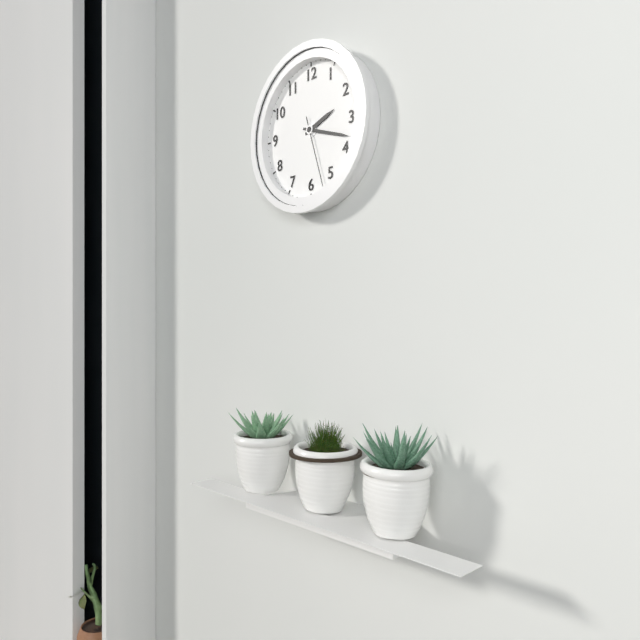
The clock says 2,18,27
